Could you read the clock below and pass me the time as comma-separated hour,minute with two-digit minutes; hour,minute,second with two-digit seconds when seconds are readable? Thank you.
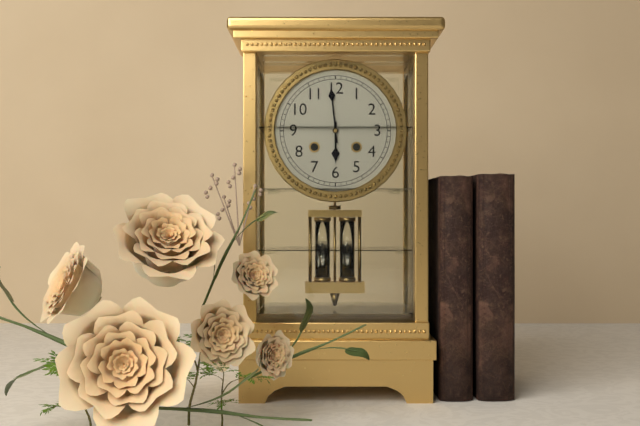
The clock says 5,59
